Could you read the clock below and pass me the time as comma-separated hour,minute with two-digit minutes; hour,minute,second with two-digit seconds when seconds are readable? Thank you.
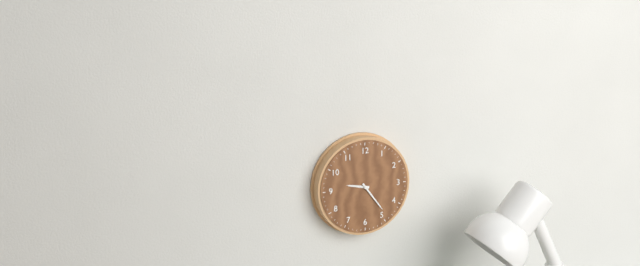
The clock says 9,24
